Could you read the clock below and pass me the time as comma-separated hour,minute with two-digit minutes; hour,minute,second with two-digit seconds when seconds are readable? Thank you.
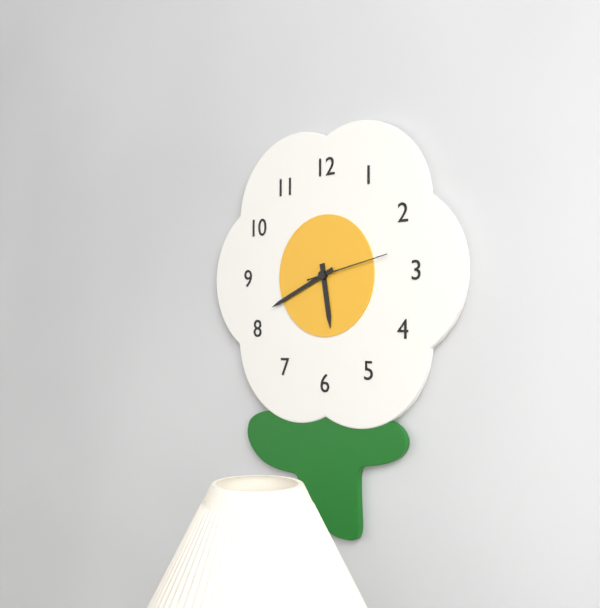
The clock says 5,41,13
